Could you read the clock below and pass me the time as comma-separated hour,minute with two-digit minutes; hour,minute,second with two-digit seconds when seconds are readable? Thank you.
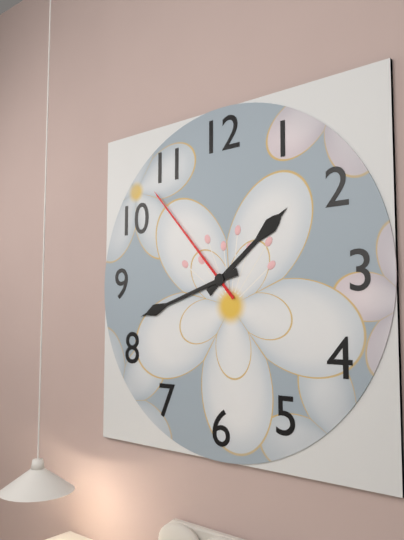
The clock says 1,42,53
